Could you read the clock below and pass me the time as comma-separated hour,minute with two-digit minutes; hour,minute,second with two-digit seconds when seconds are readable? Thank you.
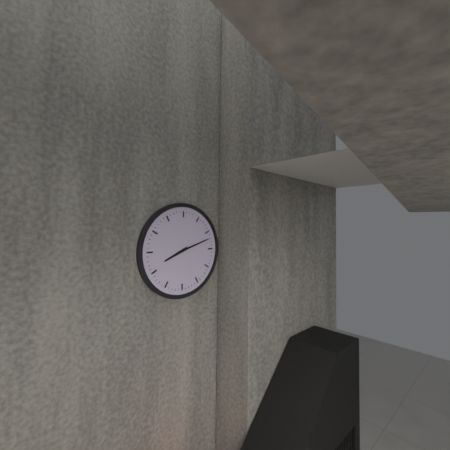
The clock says 8,12
